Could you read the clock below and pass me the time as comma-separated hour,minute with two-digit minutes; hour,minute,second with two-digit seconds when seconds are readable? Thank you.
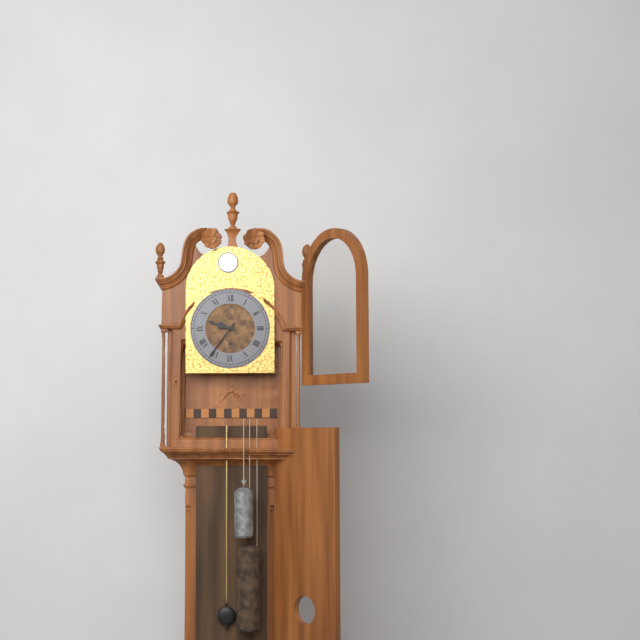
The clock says 9,36
